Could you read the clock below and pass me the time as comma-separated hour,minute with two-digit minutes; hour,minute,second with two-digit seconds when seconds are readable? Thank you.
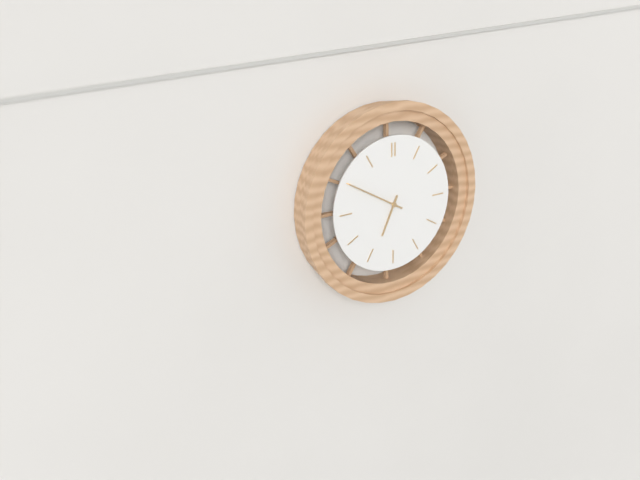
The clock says 6,50
